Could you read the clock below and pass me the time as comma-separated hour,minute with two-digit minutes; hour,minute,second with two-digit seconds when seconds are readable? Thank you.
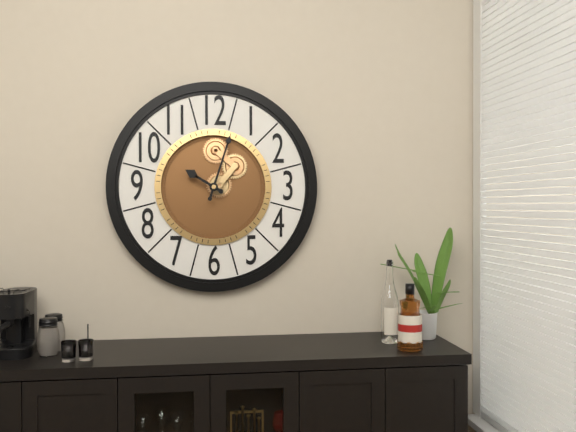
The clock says 10,03
